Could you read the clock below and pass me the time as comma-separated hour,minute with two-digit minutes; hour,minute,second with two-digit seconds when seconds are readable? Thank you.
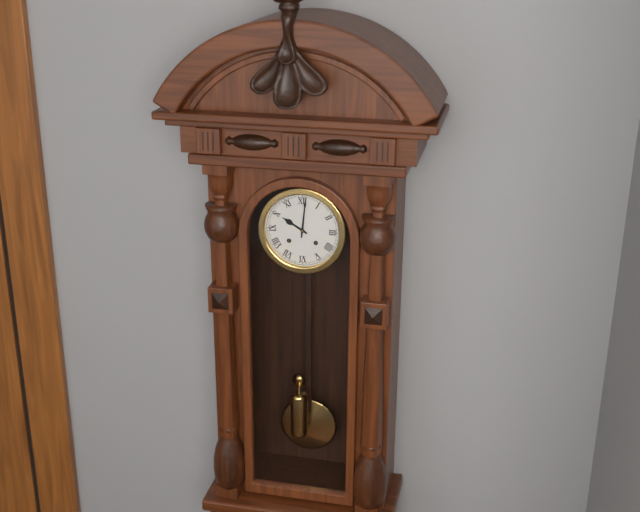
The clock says 10,01
